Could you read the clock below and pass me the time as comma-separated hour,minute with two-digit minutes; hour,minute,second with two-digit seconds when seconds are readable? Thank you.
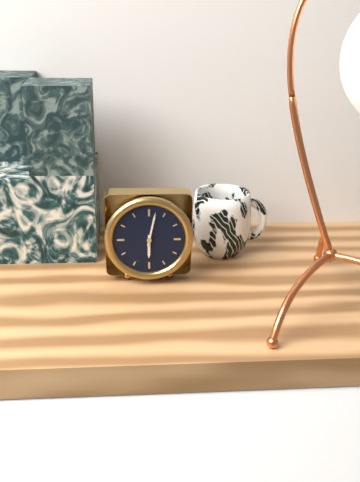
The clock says 6,02
